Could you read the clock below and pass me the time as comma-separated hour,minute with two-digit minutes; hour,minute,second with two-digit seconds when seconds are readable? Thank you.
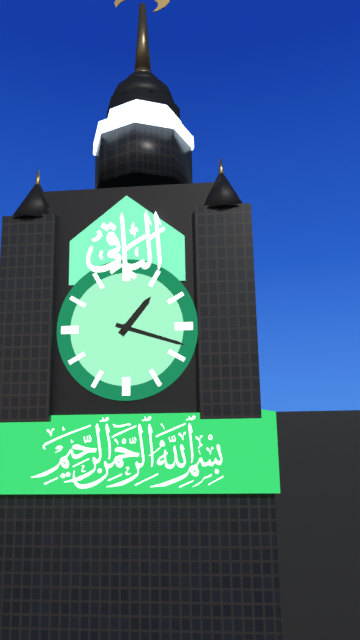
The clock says 1,18
